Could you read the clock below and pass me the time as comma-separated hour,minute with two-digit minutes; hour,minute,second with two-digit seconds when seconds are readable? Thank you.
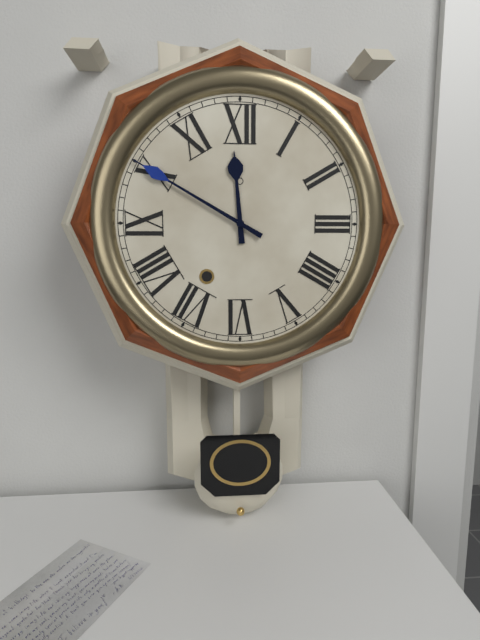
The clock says 11,50
